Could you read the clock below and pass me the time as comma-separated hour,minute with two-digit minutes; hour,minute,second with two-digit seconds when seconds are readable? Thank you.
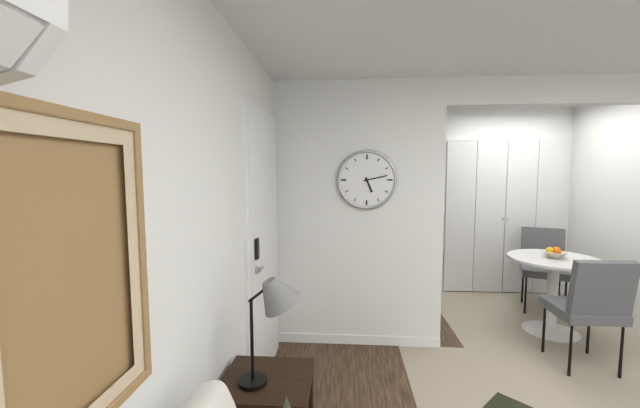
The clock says 5,13
